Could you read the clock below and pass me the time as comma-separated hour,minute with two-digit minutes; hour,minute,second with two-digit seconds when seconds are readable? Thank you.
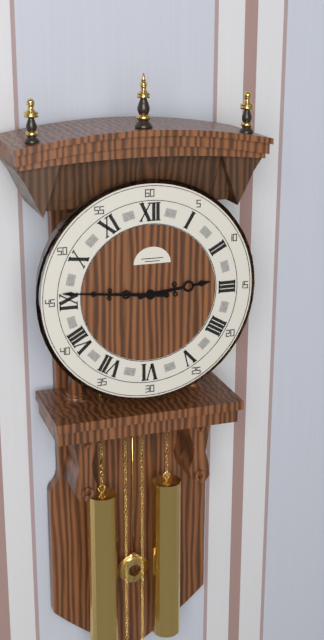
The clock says 2,46
